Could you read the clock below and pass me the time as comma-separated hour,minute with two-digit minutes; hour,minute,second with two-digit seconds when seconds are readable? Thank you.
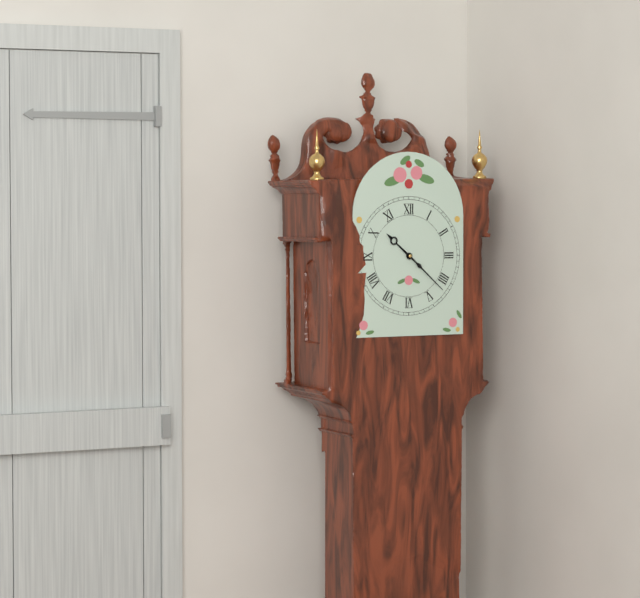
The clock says 10,22
